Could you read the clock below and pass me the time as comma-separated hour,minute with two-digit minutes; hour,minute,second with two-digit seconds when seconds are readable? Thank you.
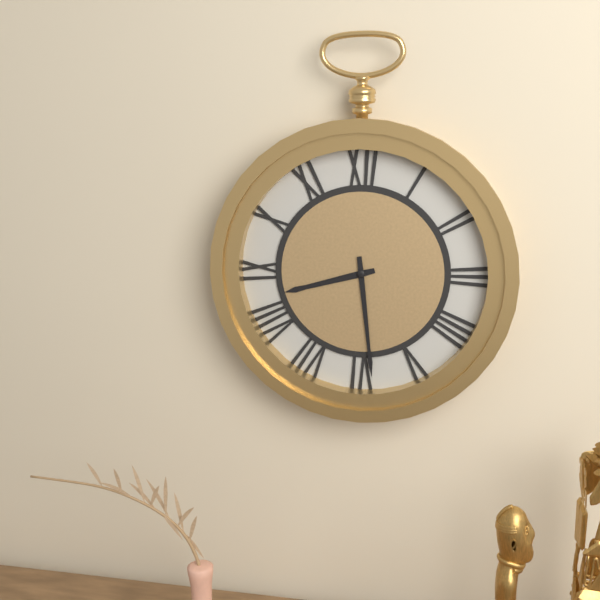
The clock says 8,29
